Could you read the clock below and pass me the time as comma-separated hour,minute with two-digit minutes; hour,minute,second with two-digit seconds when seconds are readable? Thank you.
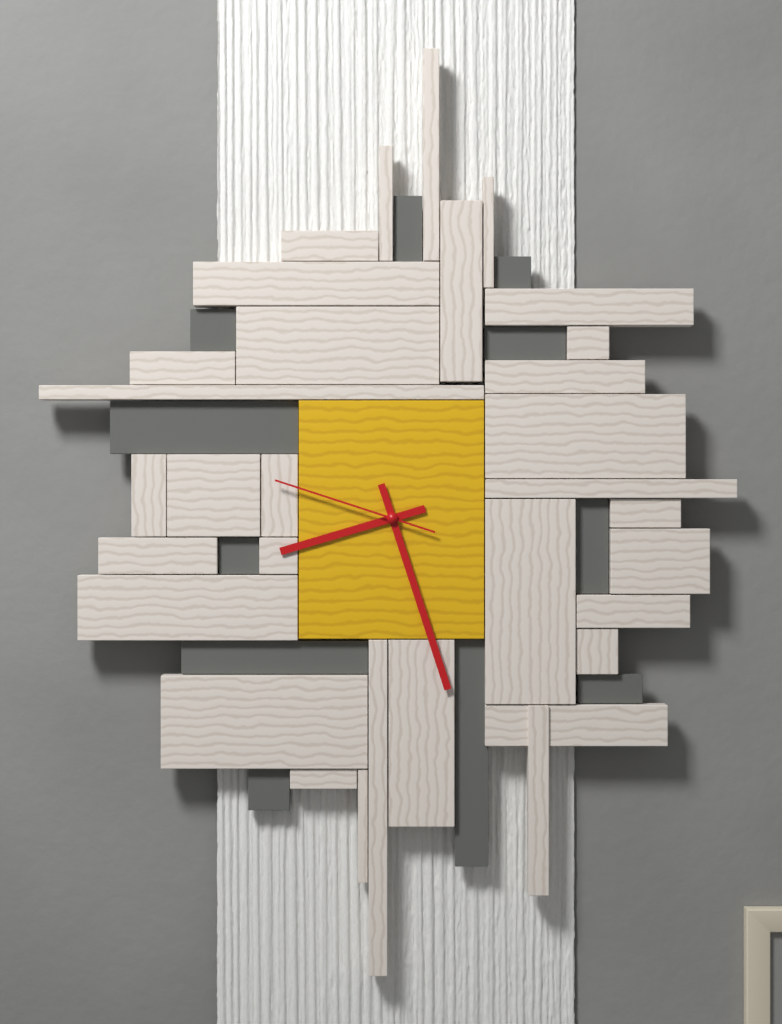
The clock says 8,27,48
